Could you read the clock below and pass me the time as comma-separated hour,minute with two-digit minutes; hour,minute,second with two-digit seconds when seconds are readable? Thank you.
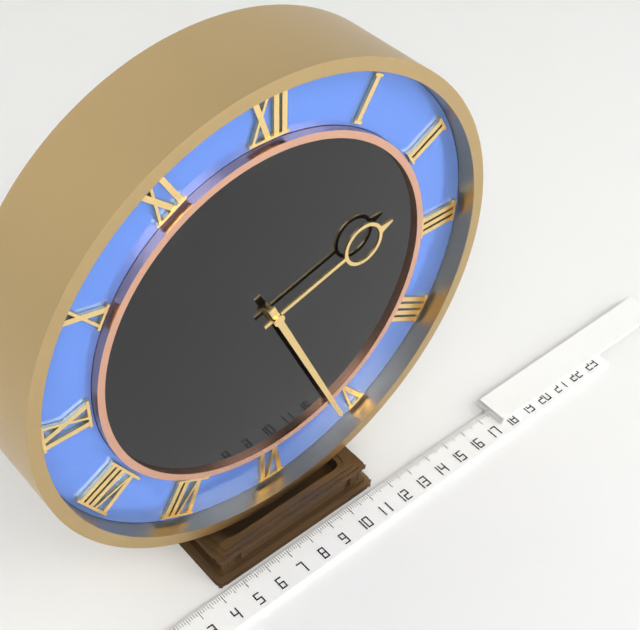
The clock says 2,26
